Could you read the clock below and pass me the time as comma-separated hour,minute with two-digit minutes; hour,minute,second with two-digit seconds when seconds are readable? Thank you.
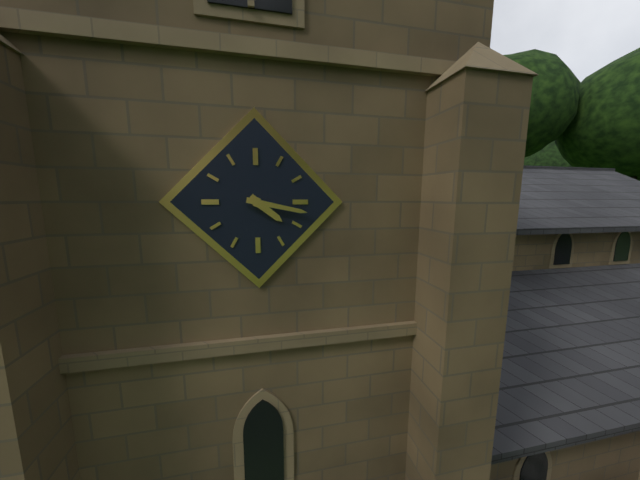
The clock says 4,17
